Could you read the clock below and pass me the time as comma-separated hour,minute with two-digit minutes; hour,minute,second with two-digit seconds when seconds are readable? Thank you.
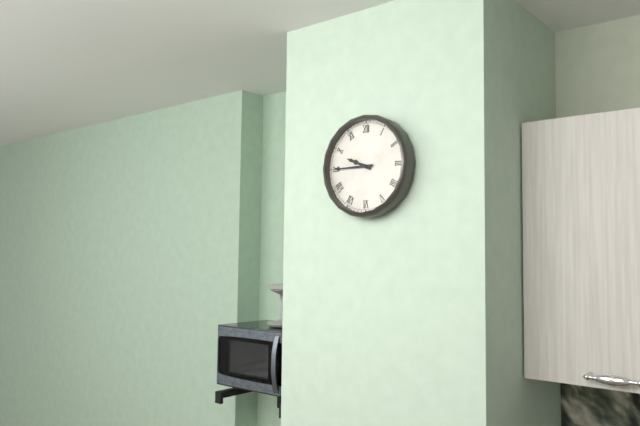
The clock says 9,45
